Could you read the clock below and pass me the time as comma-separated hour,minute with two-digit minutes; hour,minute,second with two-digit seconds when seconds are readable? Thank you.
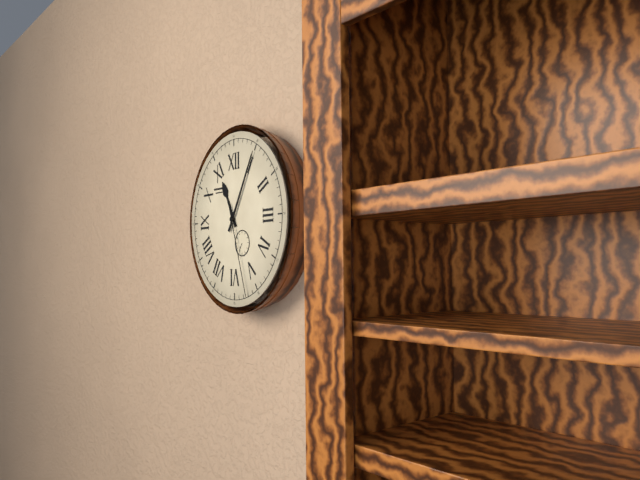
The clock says 11,05,27
